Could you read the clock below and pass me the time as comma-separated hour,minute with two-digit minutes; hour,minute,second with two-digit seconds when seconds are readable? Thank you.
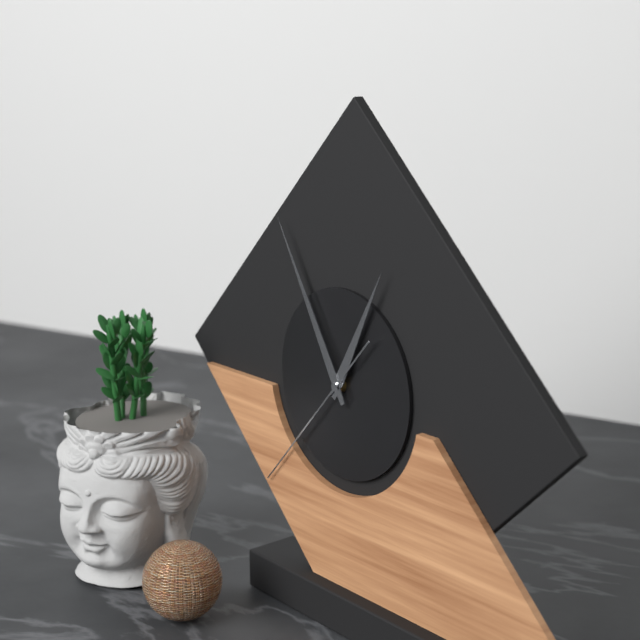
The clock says 12,55,37
